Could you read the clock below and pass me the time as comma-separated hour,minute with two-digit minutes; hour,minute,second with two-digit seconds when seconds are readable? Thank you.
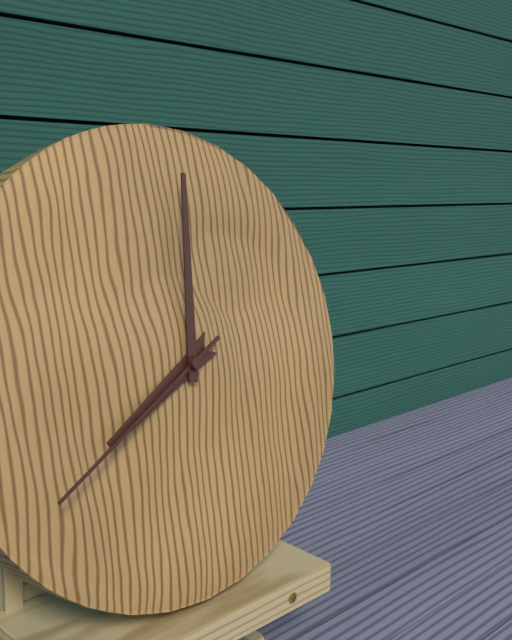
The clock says 8,01,40
